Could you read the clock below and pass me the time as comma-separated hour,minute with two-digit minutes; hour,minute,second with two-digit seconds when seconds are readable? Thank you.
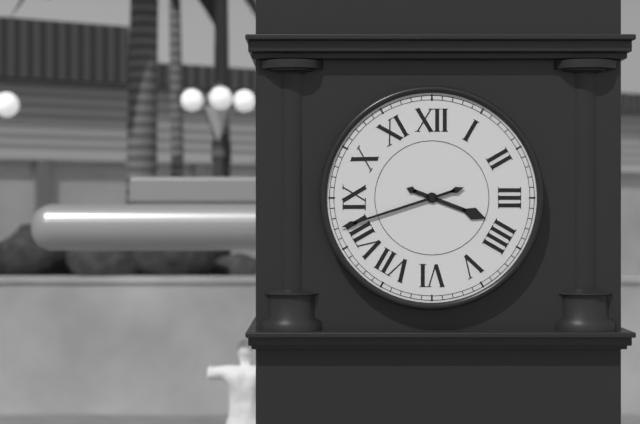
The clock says 3,42
